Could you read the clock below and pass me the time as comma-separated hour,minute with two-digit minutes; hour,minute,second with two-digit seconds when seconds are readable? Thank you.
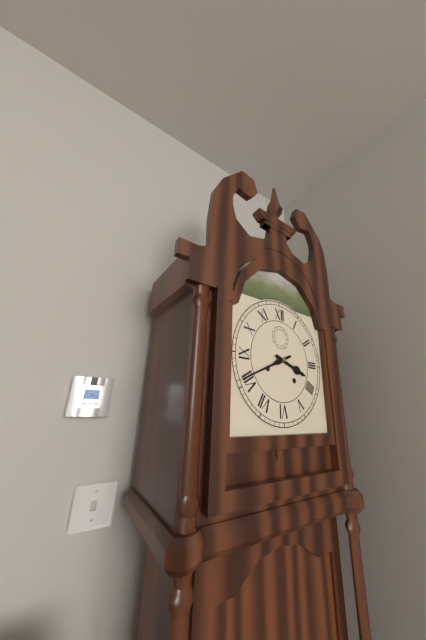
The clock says 3,41
